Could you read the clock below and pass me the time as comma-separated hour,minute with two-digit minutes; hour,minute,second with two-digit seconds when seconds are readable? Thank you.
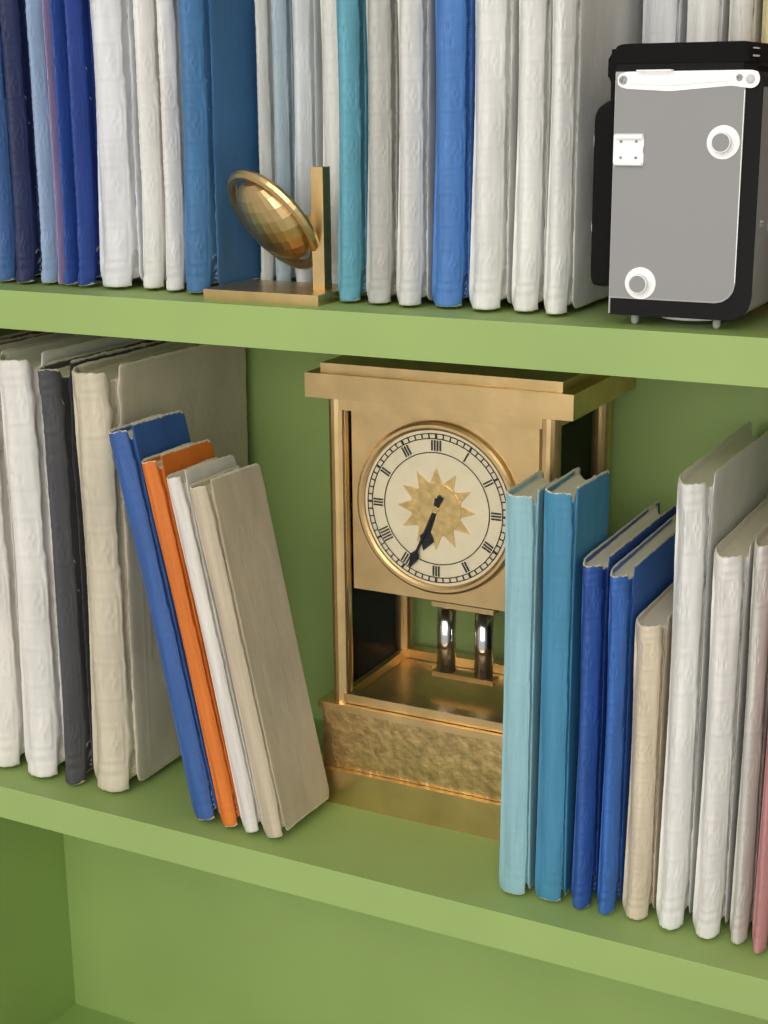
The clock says 6,34
